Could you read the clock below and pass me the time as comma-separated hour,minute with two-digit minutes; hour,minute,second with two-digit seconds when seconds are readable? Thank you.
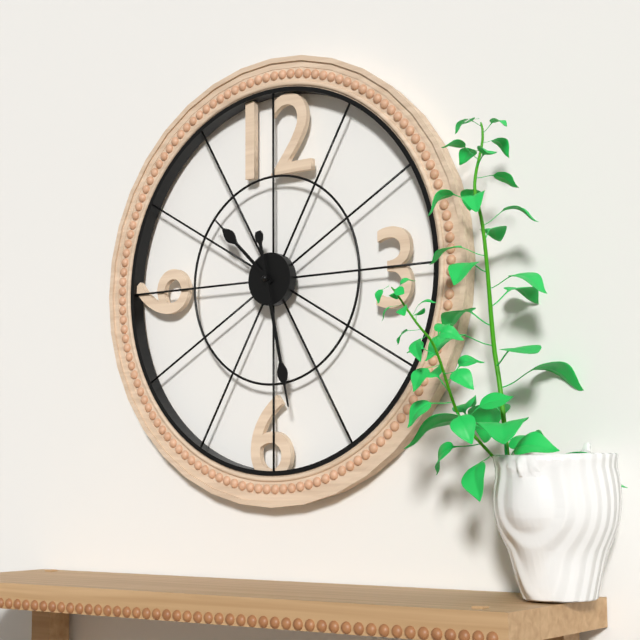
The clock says 10,28
